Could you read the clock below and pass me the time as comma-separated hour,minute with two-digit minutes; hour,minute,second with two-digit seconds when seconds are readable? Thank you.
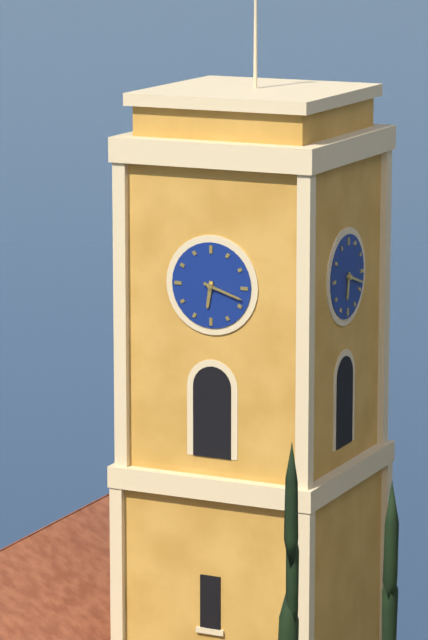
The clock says 6,18
